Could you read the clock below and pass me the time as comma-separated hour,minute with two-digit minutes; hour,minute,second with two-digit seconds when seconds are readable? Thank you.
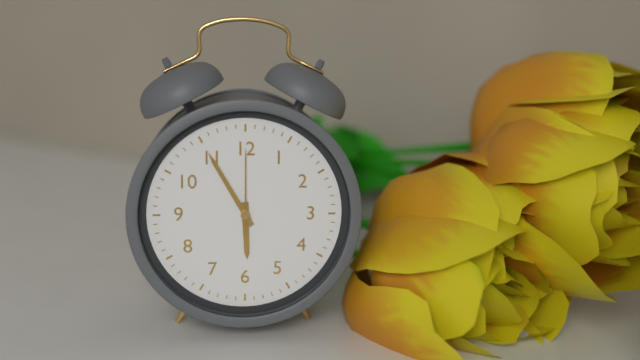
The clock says 5,55,00
